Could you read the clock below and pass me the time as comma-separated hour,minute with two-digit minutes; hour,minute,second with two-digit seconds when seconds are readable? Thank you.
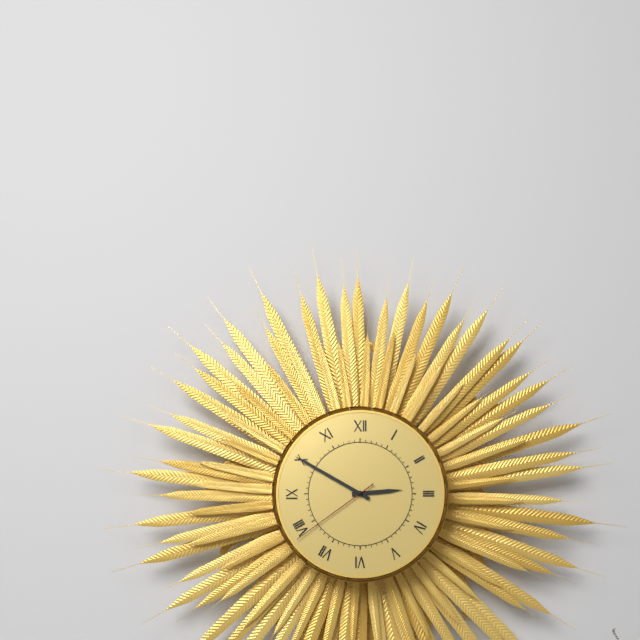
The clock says 2,50,39
